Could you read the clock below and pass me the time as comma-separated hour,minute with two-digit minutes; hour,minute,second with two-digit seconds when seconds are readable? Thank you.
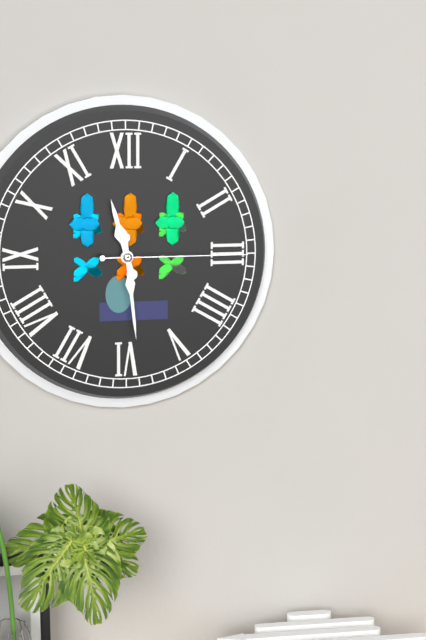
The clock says 11,29,15
